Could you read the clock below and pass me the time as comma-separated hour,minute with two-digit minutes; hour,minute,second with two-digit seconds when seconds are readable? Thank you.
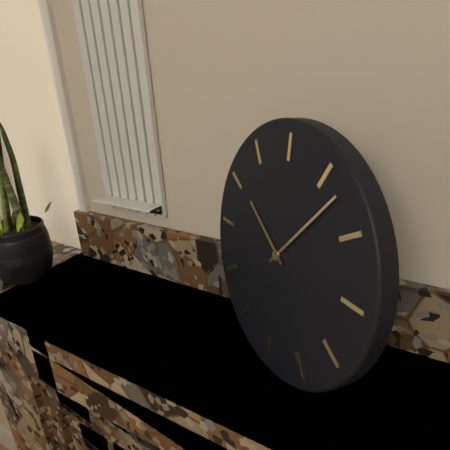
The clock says 10,07
